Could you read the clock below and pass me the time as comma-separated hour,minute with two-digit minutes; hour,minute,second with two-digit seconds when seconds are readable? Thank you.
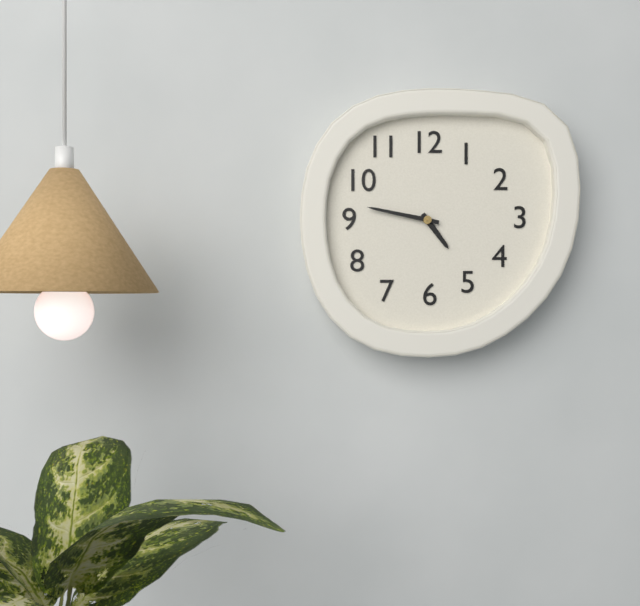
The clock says 4,47
